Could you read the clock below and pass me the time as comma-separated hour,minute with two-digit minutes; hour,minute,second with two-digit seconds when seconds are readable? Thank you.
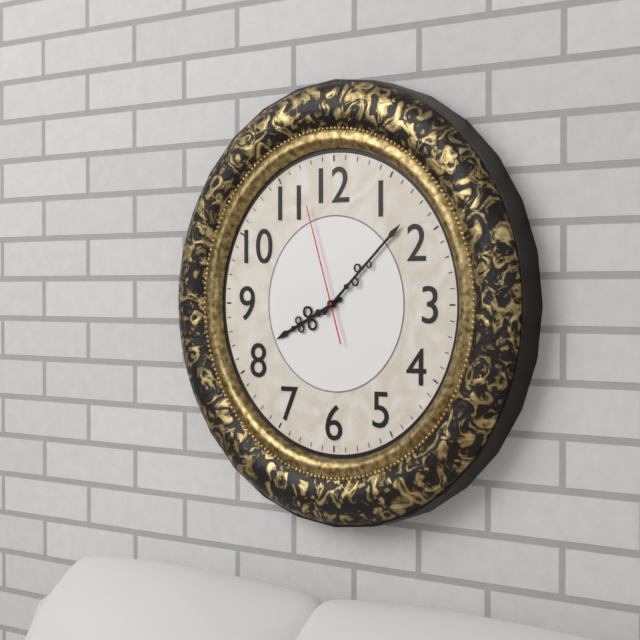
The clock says 8,08,57
